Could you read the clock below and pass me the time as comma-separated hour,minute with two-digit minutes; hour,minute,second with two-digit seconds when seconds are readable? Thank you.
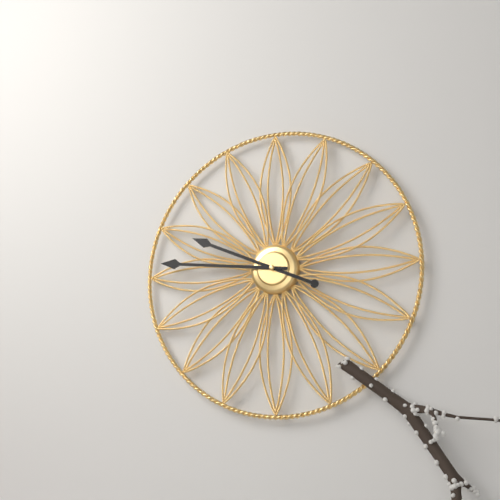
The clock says 9,46
